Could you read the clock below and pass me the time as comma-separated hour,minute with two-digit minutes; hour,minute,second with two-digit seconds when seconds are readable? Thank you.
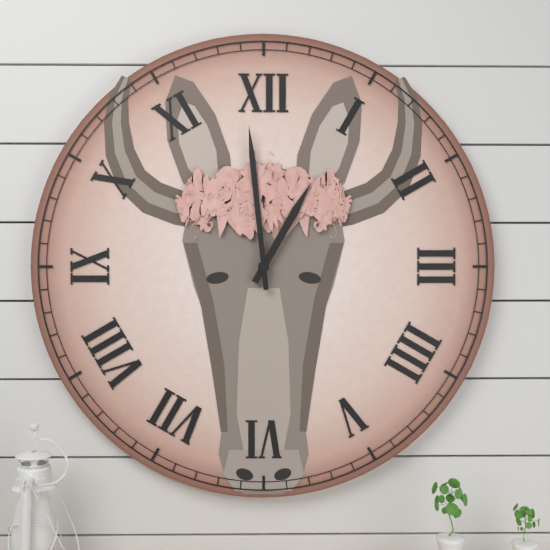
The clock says 12,59
